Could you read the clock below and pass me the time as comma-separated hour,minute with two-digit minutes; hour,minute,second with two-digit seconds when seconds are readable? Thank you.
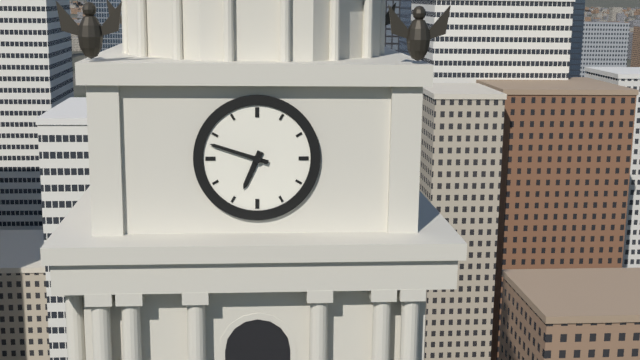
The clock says 6,48
